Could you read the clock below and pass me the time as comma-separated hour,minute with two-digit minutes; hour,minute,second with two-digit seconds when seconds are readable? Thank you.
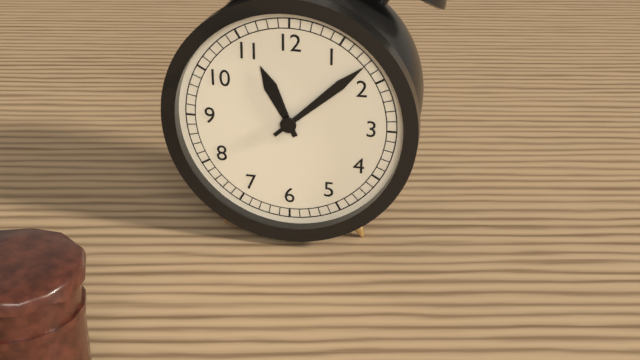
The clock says 11,08
